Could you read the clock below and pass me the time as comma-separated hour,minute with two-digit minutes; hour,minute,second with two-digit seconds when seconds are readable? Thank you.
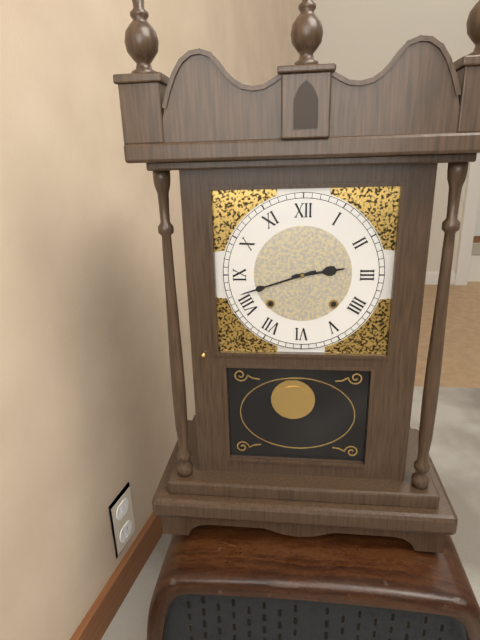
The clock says 2,42
